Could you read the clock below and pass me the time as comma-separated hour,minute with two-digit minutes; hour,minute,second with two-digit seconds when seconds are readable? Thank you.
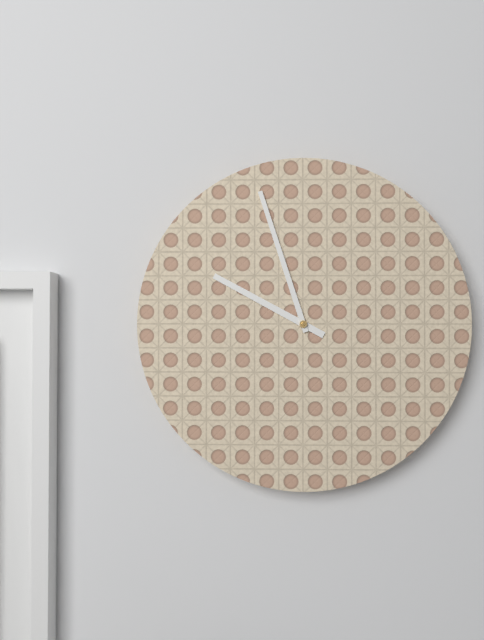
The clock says 9,57
